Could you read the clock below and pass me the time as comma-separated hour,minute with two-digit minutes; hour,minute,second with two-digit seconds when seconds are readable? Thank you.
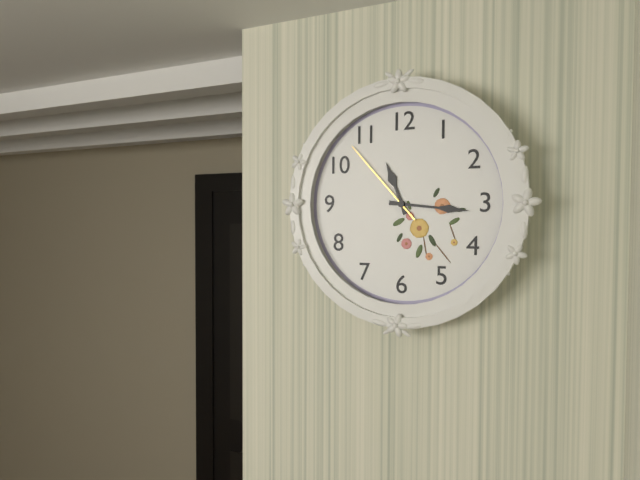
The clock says 11,16,53
